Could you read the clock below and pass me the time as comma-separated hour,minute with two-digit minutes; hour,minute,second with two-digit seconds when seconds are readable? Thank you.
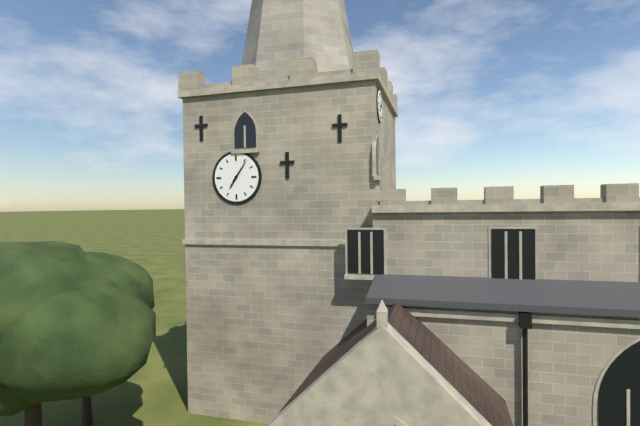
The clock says 7,06
